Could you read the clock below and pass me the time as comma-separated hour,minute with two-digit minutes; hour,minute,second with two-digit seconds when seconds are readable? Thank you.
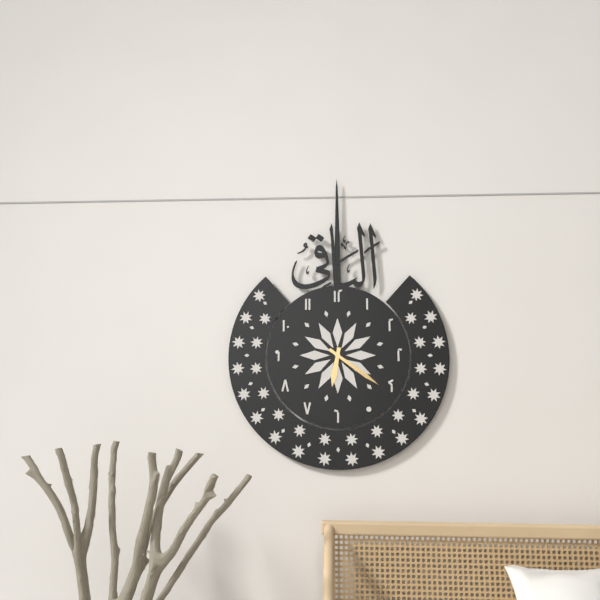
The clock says 6,21
